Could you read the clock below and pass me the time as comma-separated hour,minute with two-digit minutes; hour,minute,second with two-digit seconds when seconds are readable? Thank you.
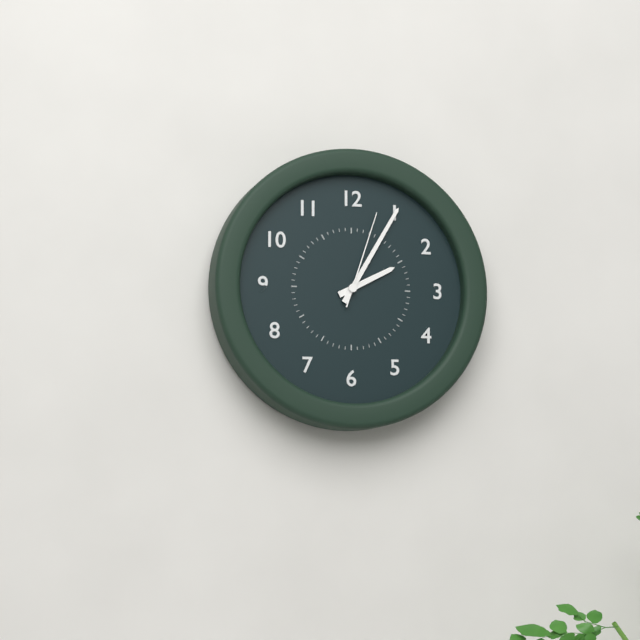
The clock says 2,05,03
